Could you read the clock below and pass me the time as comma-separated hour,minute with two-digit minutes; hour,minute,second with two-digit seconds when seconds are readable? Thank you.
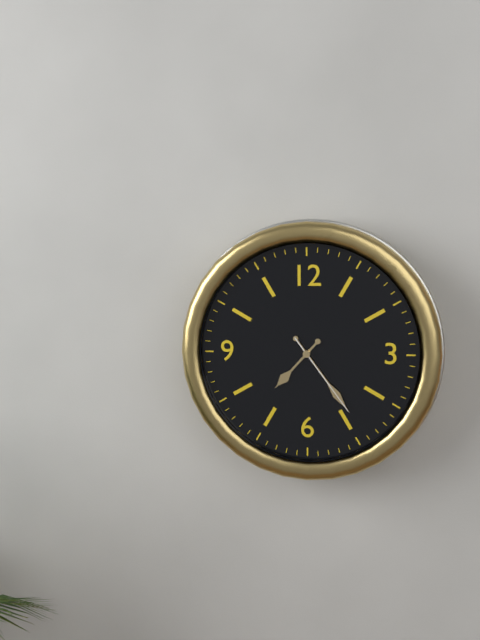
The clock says 7,24,24
